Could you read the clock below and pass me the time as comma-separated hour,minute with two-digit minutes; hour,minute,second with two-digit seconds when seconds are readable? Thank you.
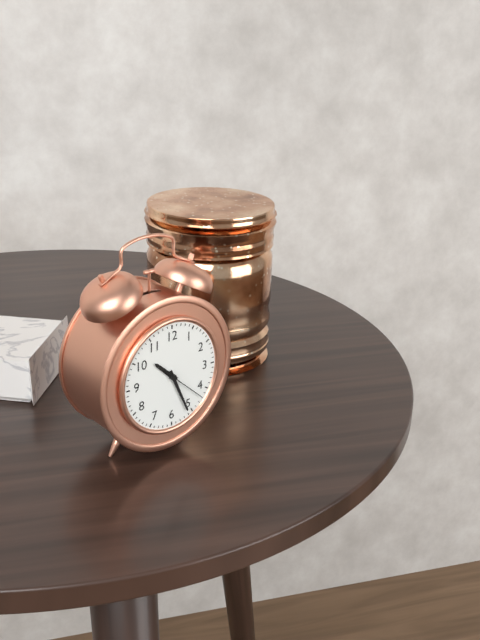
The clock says 10,26
